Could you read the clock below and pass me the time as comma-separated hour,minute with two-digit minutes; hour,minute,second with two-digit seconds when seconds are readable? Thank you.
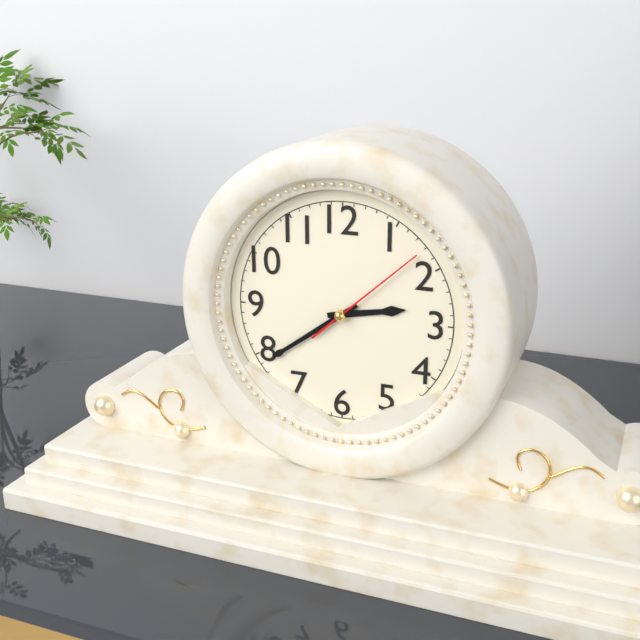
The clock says 2,39,08
